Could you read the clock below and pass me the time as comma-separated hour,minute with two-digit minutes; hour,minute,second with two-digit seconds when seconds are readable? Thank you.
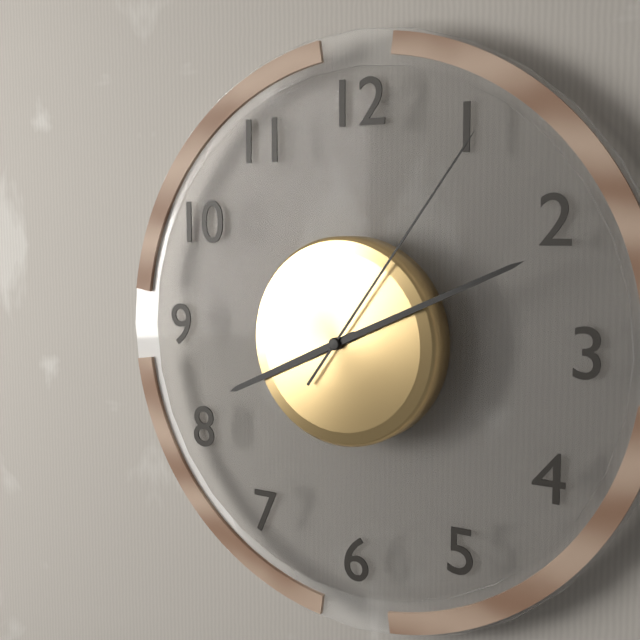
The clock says 8,11,06
